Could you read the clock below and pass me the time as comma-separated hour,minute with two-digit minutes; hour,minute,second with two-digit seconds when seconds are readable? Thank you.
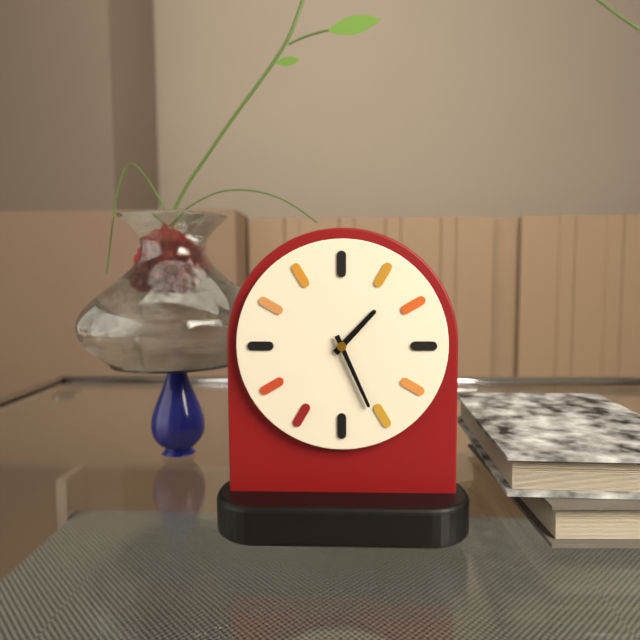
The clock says 1,26
